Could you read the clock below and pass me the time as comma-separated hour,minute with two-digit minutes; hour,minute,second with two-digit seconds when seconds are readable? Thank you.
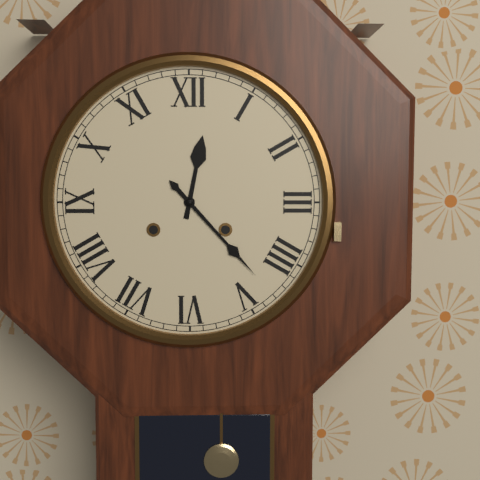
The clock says 12,23
